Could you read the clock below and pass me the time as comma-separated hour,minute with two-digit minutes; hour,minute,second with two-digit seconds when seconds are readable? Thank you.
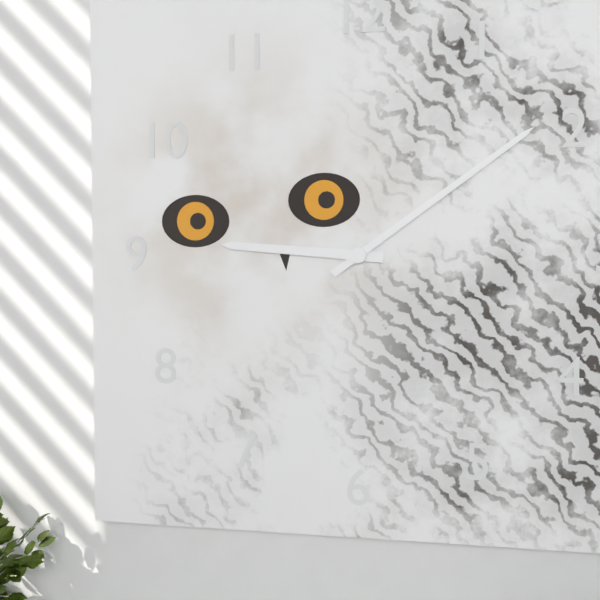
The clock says 9,09
